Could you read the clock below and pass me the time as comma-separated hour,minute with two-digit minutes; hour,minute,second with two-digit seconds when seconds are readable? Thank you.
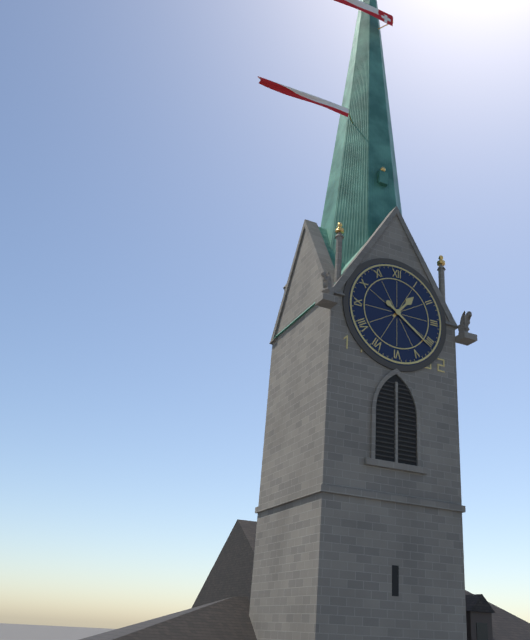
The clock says 1,21
